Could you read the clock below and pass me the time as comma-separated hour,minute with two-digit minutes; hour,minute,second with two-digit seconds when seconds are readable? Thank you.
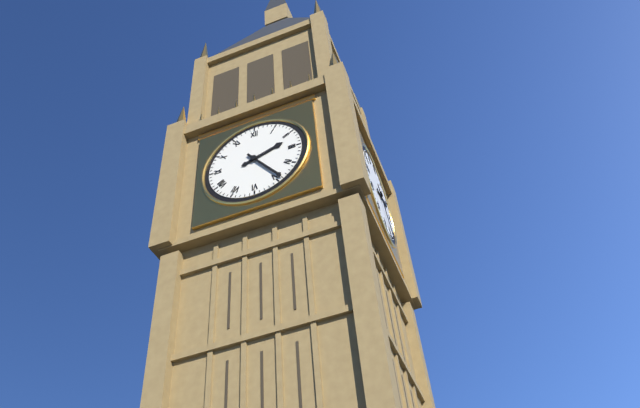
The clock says 2,24
